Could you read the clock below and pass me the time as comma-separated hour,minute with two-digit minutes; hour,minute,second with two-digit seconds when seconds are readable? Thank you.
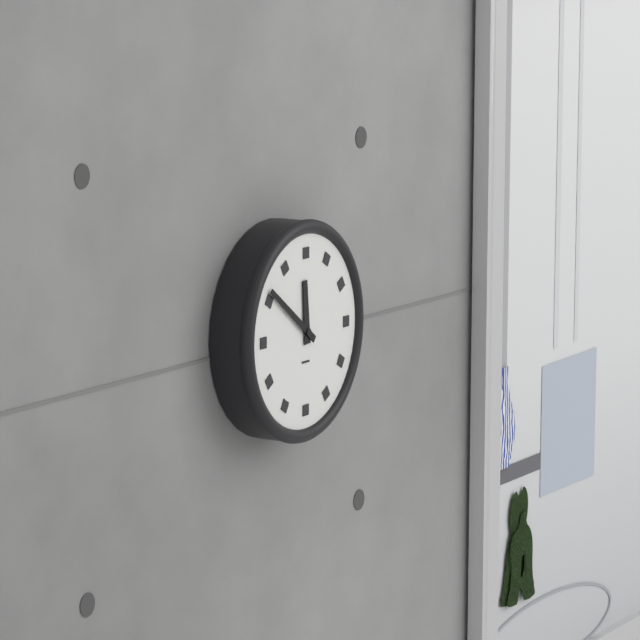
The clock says 11,51
